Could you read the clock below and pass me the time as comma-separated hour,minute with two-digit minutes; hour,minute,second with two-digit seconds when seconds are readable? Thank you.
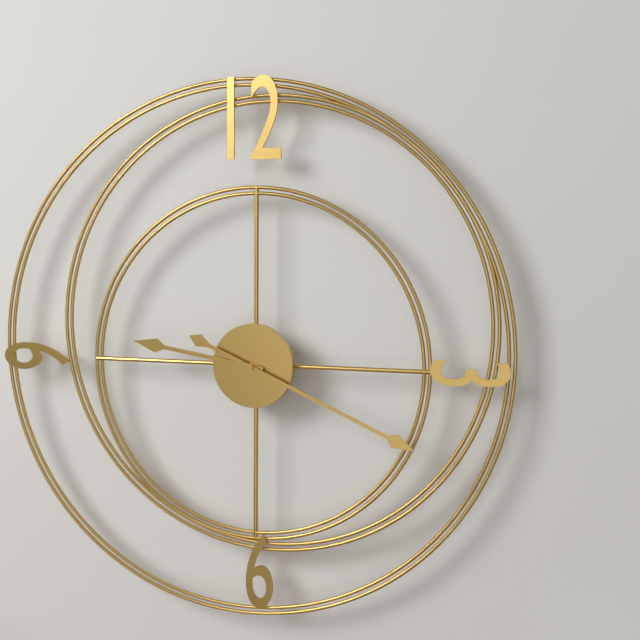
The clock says 9,19
